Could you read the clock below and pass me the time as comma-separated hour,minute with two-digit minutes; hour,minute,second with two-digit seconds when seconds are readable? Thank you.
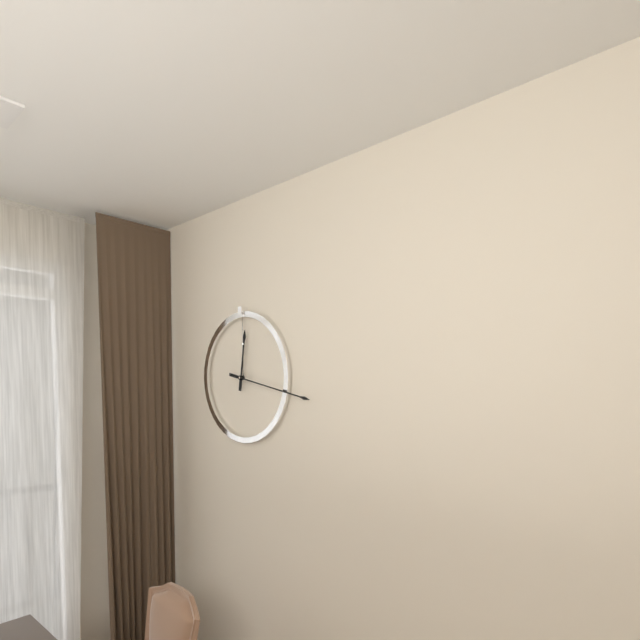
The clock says 12,17
